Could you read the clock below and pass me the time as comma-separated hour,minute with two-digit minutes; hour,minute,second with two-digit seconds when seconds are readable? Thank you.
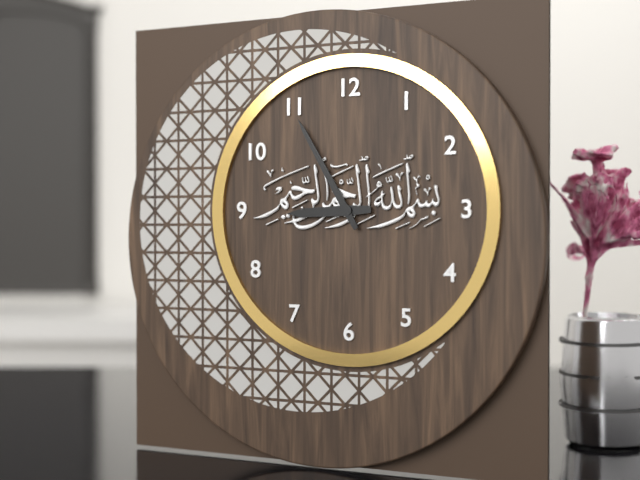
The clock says 8,55
